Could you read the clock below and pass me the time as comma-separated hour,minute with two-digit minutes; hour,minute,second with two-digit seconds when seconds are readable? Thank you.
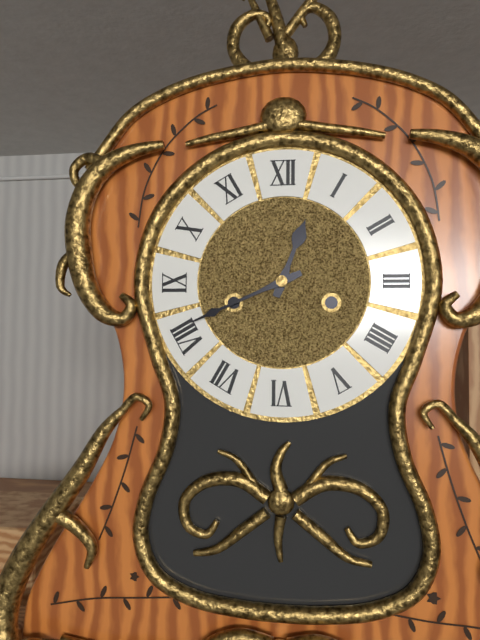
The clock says 12,41
